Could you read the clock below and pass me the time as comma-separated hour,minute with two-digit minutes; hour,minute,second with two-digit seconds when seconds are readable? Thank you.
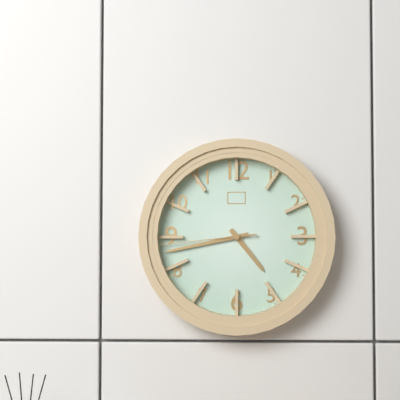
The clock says 4,43,44
